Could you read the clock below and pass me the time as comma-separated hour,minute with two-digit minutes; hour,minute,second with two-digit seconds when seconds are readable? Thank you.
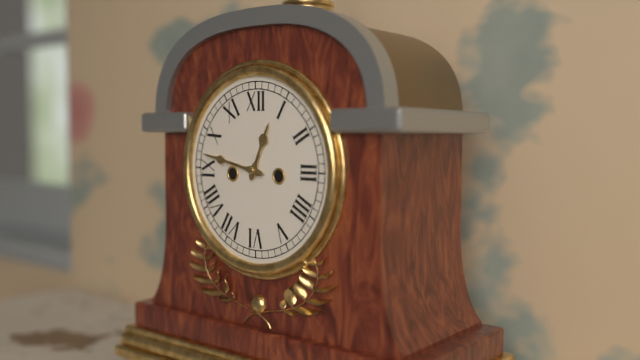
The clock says 12,47
